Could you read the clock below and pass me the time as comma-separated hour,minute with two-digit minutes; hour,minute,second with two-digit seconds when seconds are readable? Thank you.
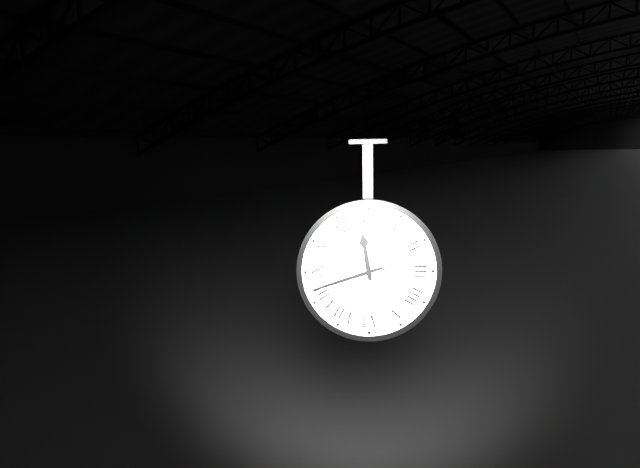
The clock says 11,42
